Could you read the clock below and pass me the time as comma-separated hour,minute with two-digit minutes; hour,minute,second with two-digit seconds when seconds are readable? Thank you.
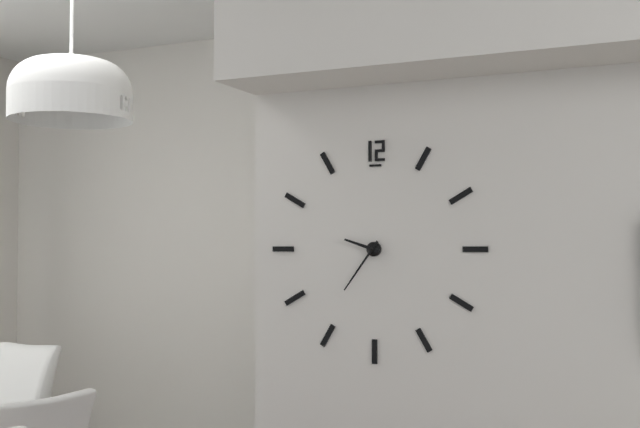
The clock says 9,36
